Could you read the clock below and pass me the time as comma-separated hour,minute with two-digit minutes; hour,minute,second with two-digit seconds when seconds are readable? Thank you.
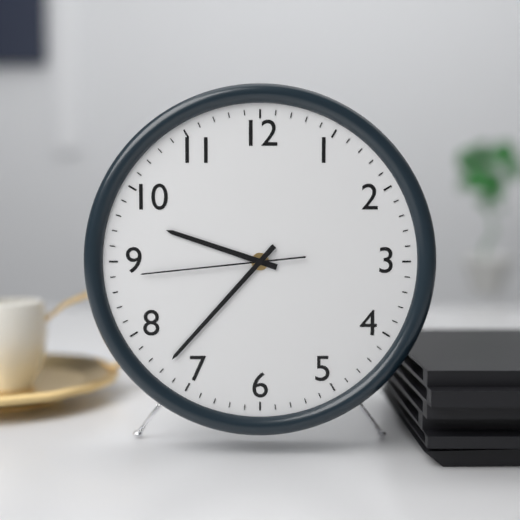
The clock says 9,37,44
